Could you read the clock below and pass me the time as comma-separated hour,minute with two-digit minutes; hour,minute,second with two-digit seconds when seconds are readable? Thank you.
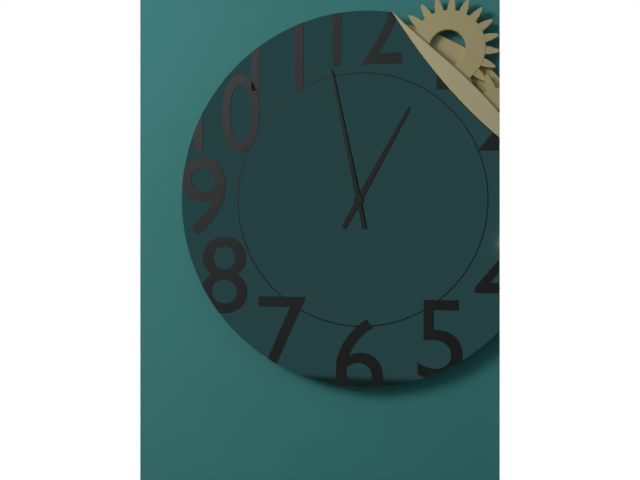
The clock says 12,58
